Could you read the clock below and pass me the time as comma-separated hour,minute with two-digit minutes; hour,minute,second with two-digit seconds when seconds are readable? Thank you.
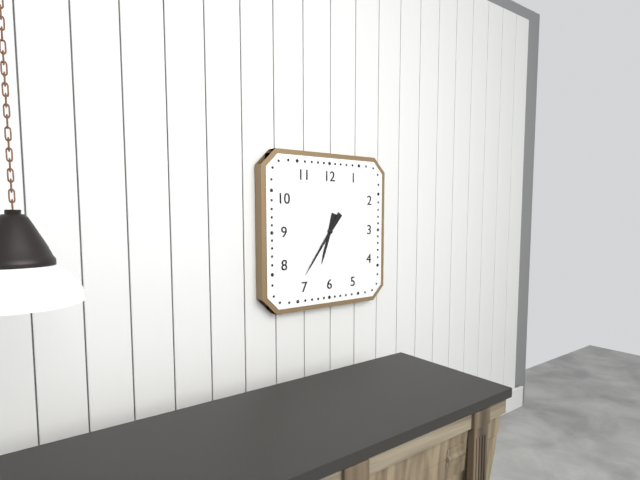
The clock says 6,36
